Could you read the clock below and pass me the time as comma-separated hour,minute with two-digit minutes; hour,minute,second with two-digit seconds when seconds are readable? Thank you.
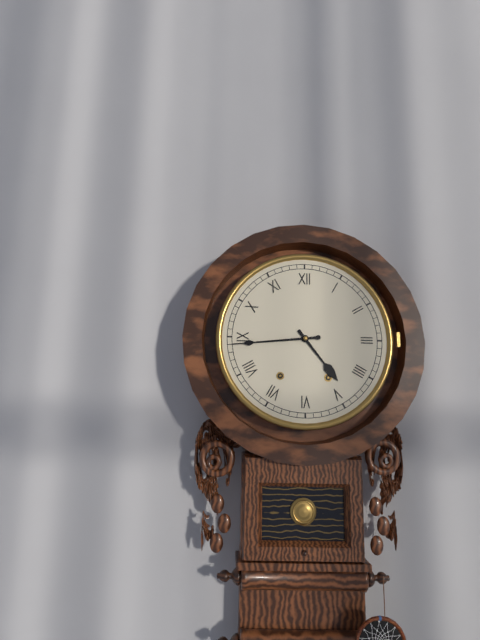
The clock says 4,44
